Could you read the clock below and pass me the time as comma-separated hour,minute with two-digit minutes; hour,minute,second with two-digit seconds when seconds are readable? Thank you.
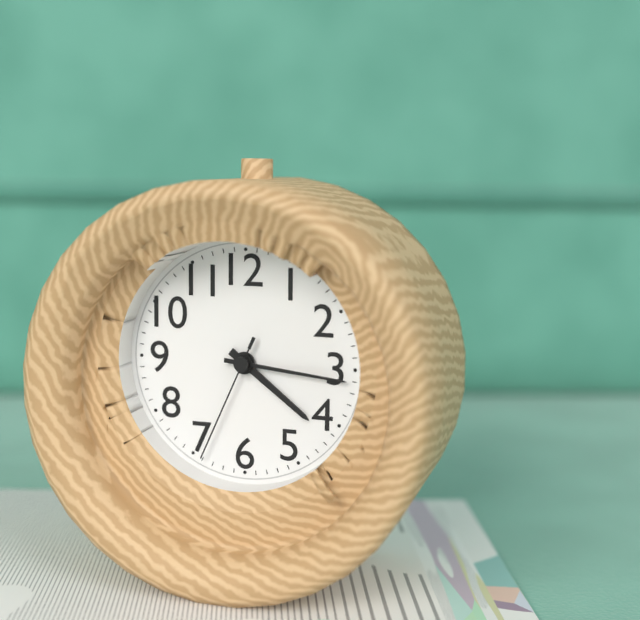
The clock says 4,16,34
